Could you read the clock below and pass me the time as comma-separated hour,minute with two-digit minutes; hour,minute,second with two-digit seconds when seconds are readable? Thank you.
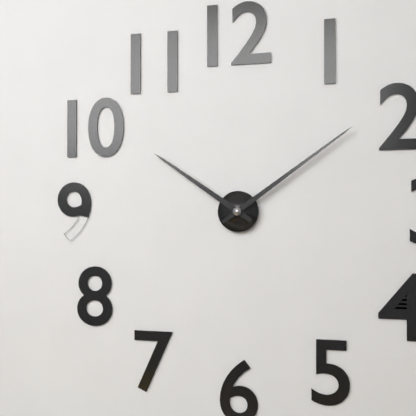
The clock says 10,09
